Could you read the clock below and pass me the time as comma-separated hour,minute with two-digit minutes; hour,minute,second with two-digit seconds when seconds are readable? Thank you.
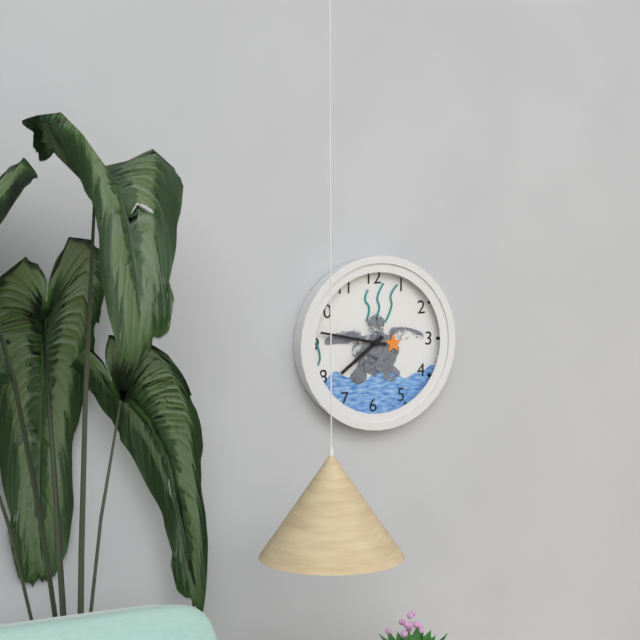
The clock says 7,47
